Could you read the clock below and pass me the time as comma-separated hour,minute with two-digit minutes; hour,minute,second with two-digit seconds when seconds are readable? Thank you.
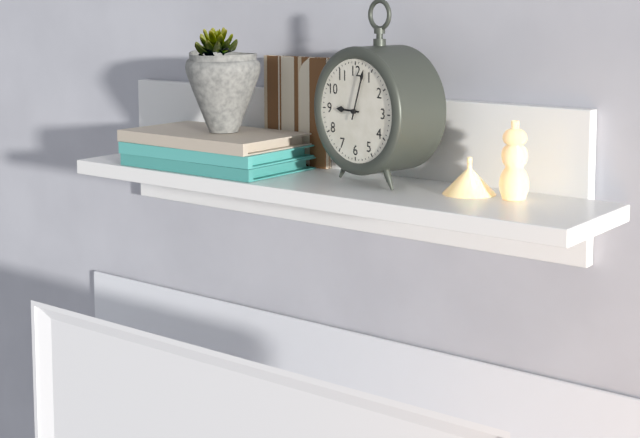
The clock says 9,03
